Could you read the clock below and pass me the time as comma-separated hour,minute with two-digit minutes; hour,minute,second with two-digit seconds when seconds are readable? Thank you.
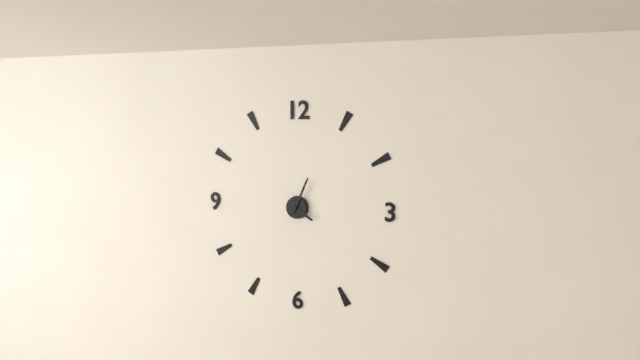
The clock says 4,04
